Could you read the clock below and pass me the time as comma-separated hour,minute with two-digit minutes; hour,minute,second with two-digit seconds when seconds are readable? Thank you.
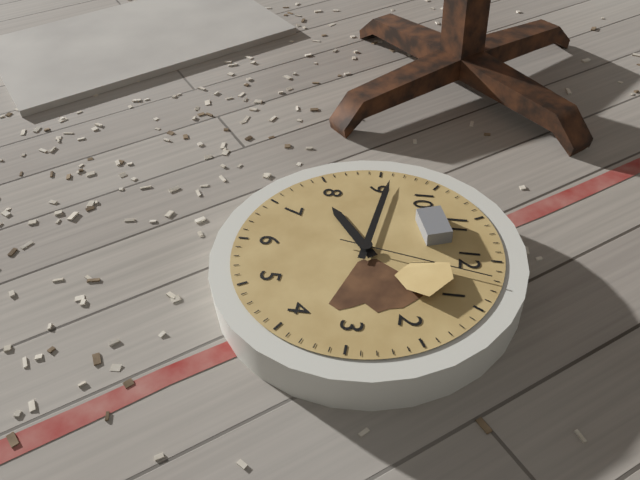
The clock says 7,46,02
